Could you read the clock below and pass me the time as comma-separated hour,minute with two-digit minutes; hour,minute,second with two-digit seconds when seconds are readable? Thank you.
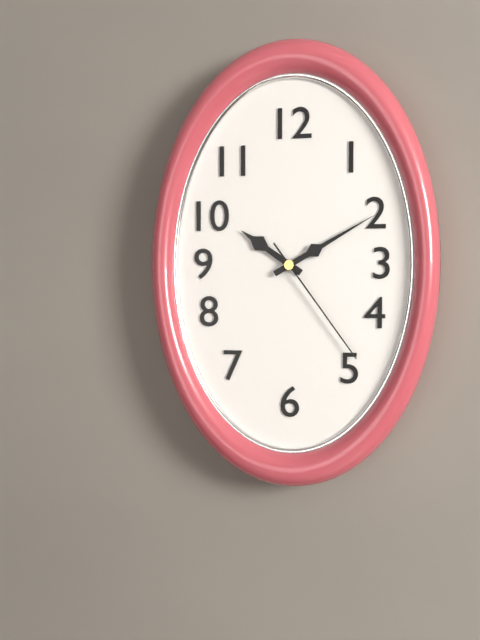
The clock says 10,10,24
